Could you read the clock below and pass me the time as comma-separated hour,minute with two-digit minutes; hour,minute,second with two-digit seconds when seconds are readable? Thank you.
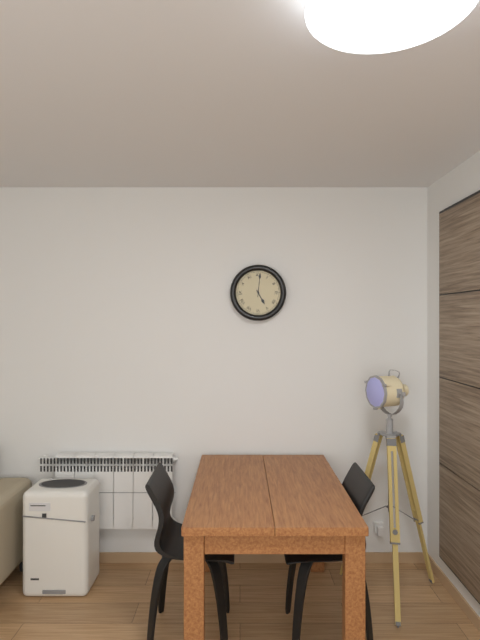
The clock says 5,01
